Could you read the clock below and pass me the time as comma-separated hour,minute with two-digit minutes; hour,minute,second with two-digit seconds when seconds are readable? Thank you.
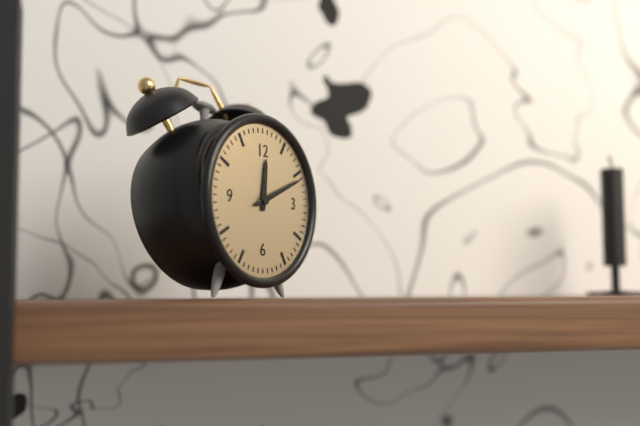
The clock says 12,11
